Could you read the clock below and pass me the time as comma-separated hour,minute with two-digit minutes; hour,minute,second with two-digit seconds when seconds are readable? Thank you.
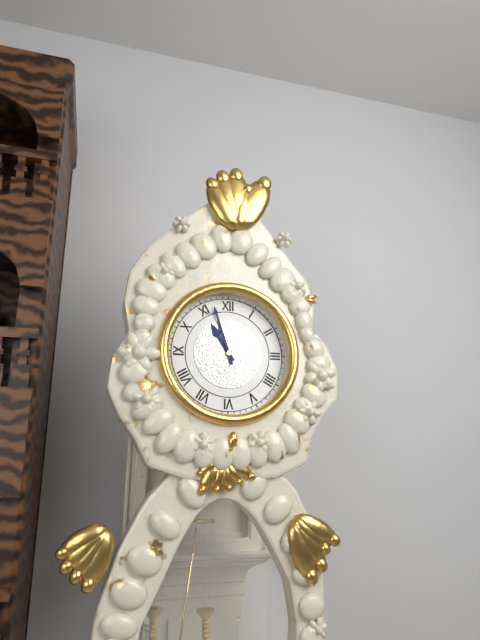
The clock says 10,57
